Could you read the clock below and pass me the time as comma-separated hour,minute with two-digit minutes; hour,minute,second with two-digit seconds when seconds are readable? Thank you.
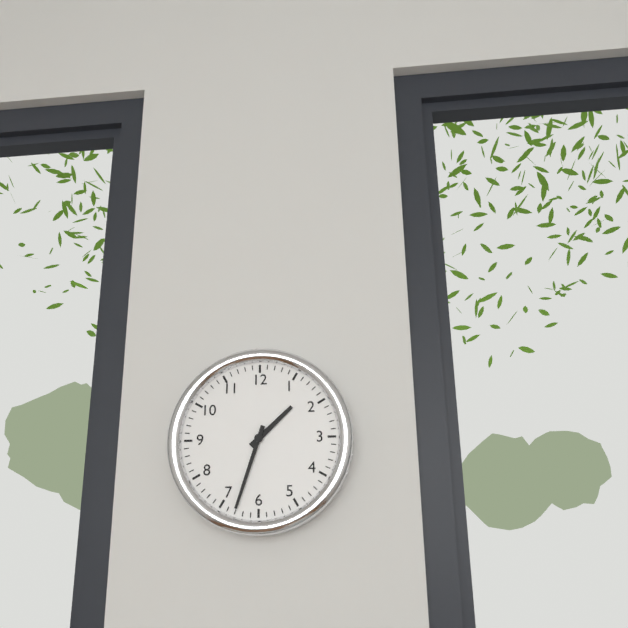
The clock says 1,33
